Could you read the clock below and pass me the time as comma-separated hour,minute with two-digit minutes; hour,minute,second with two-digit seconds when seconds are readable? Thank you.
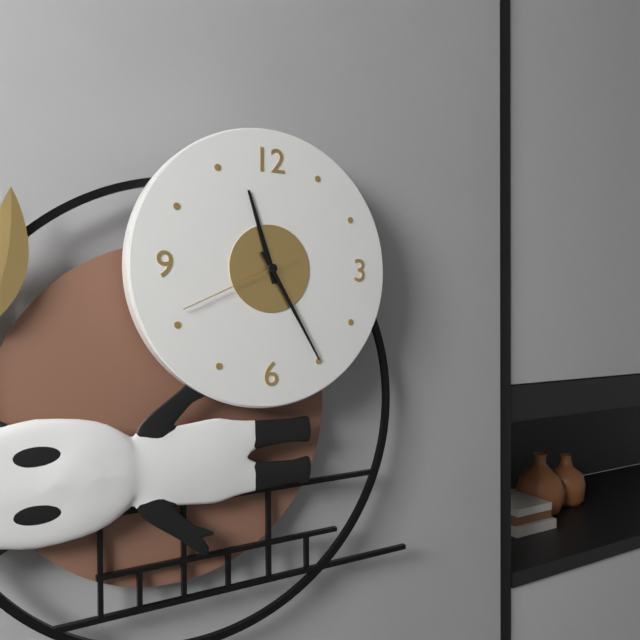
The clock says 11,25,41
